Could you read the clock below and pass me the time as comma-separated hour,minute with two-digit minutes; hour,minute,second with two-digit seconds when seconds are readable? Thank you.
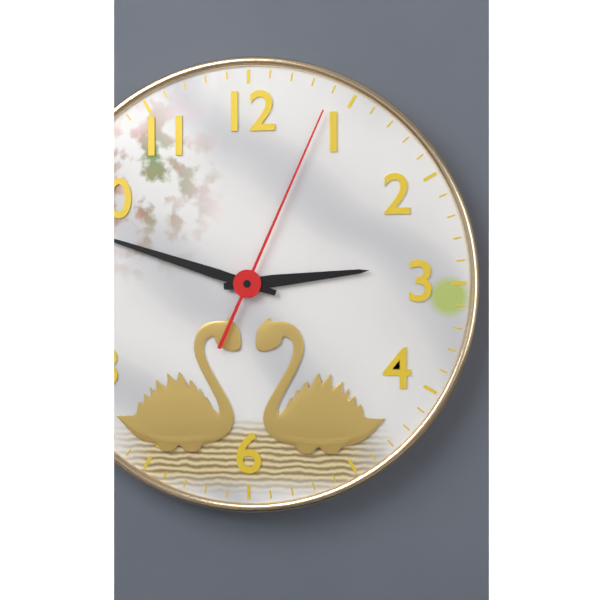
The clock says 2,48,04
